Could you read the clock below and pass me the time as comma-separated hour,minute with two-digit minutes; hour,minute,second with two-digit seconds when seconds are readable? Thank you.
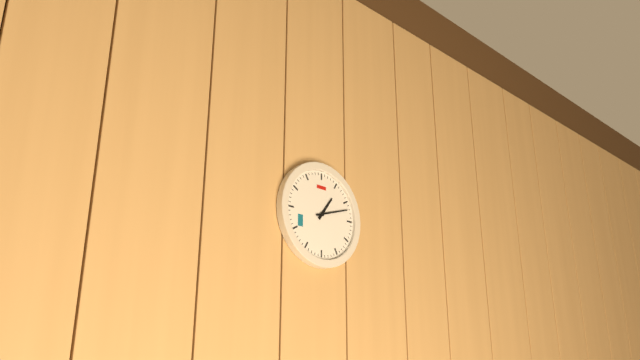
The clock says 1,12
